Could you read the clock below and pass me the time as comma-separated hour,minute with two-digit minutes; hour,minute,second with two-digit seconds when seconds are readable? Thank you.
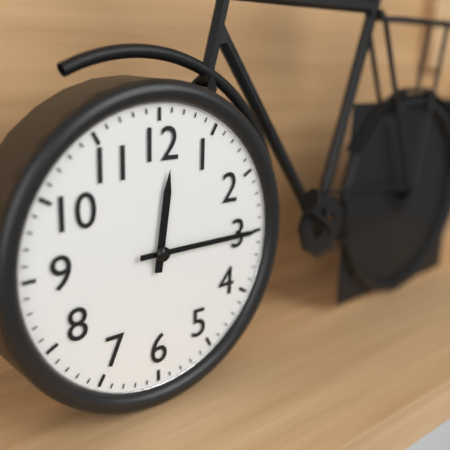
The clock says 12,15
